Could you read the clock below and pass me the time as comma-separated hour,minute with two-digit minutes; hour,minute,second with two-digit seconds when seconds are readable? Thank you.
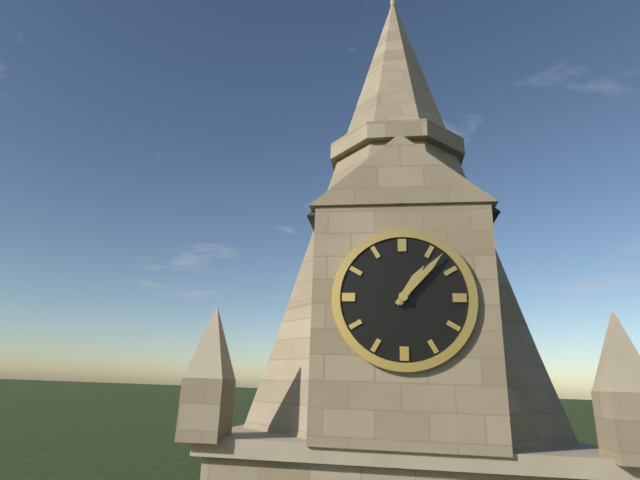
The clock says 1,07
